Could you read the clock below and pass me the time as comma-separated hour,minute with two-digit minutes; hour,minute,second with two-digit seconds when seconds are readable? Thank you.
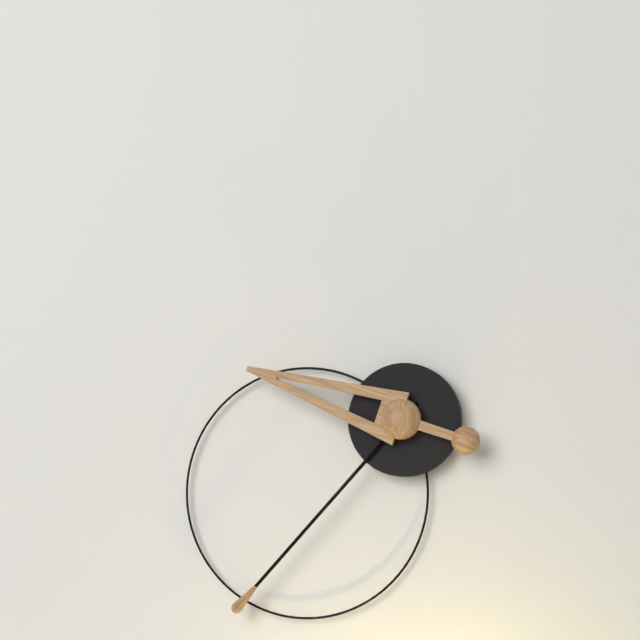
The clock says 9,37
